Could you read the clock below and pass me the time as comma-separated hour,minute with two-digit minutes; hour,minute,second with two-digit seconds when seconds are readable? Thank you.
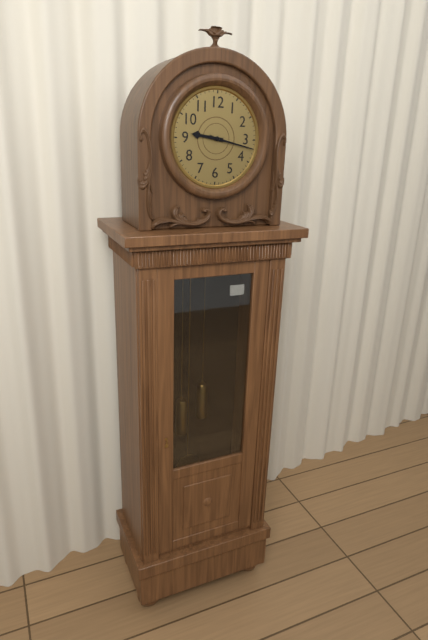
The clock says 9,17
